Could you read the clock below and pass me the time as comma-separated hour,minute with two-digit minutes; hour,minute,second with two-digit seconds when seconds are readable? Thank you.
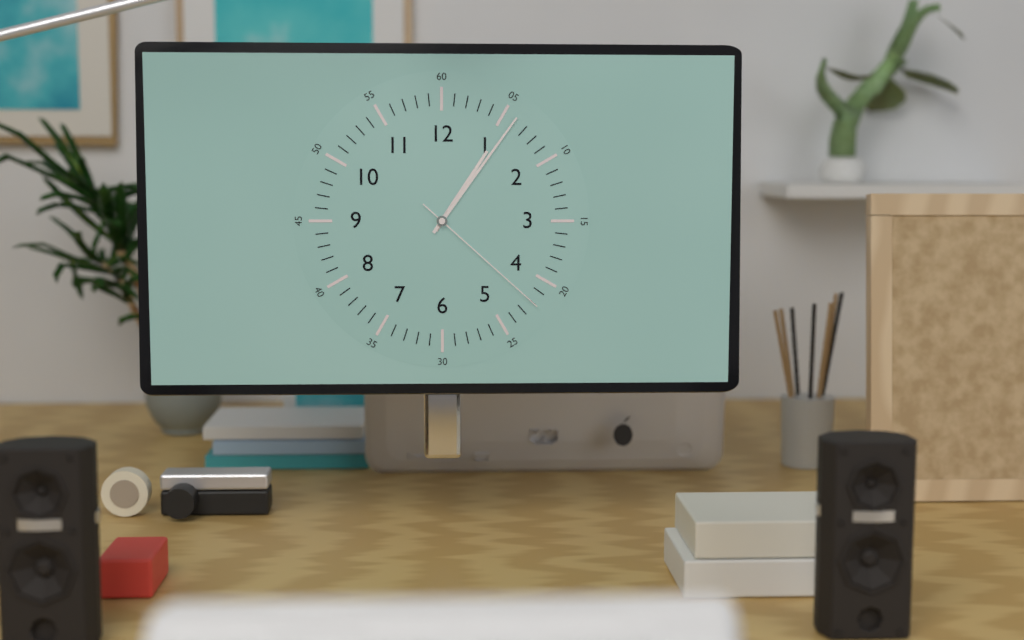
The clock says 1,06,22
